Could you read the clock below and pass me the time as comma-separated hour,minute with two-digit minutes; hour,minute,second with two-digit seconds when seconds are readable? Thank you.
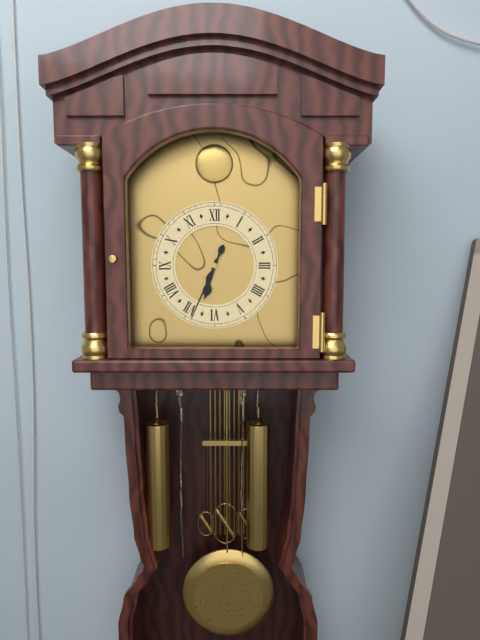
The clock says 6,34
